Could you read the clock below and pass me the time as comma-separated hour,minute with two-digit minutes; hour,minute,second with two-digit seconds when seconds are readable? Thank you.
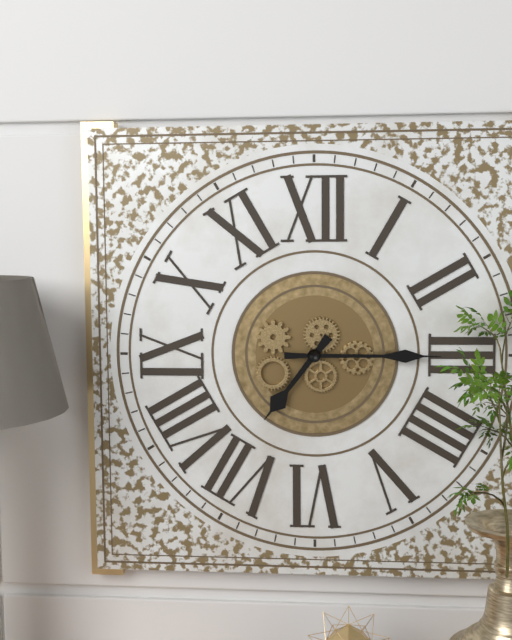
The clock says 7,15
